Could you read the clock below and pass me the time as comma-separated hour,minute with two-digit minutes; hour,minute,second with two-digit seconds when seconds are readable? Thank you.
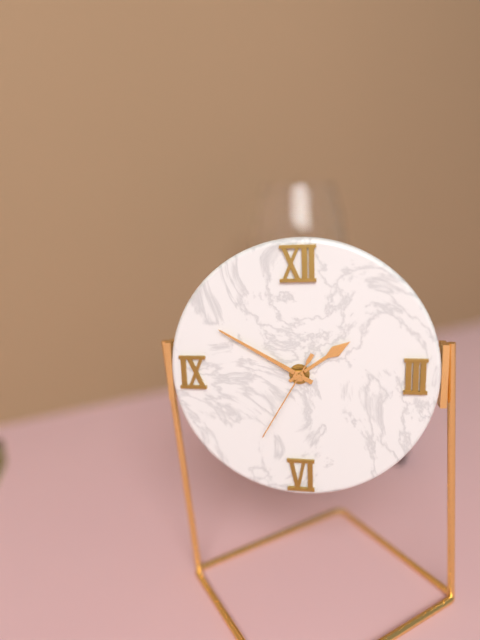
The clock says 1,50,35
